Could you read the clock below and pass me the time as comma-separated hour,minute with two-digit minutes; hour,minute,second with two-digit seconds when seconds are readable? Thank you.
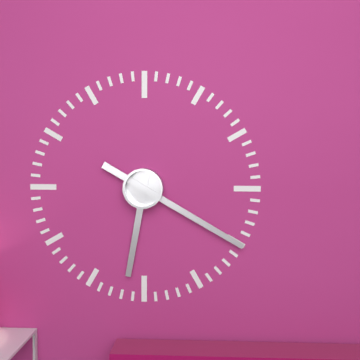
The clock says 6,20
